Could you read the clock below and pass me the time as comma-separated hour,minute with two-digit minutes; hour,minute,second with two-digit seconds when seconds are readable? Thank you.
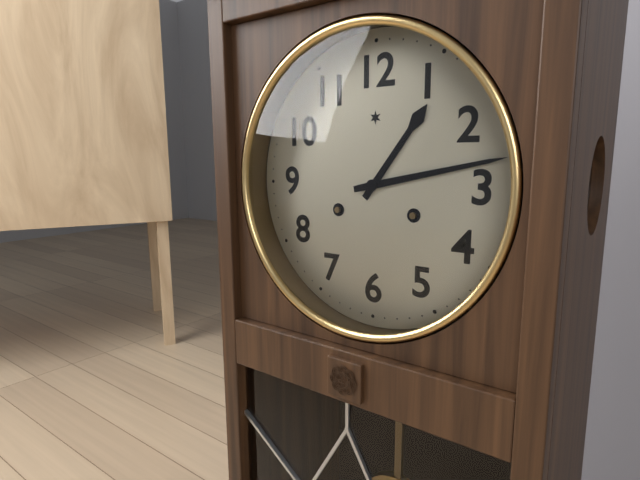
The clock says 1,13
